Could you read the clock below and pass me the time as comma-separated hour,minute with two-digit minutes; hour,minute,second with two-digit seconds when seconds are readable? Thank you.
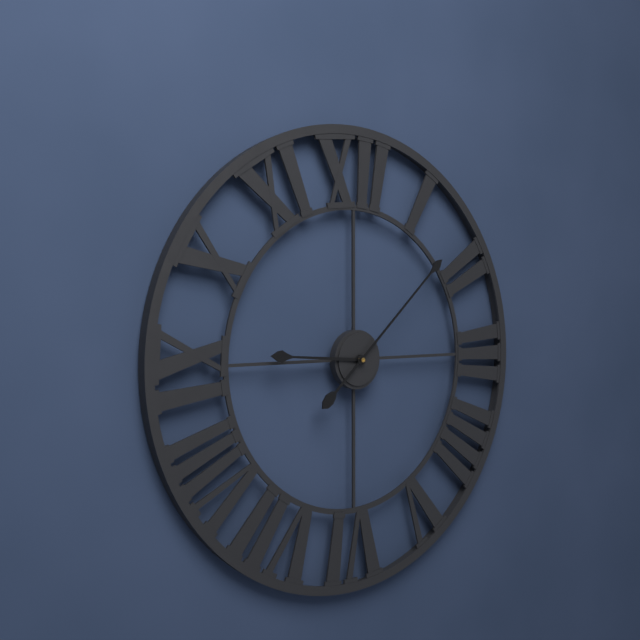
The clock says 9,08
